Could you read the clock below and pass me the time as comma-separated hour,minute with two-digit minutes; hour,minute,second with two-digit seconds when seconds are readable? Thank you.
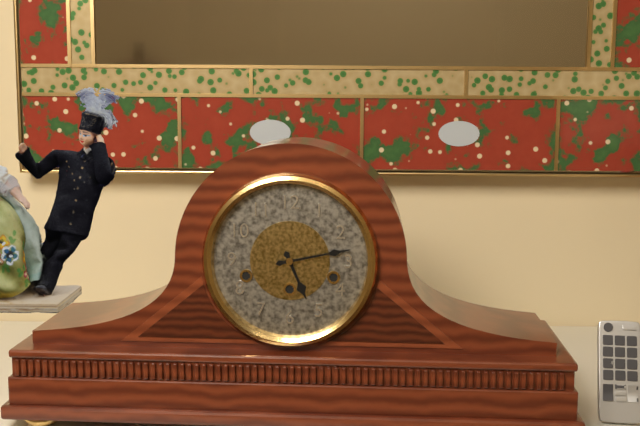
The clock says 5,13
